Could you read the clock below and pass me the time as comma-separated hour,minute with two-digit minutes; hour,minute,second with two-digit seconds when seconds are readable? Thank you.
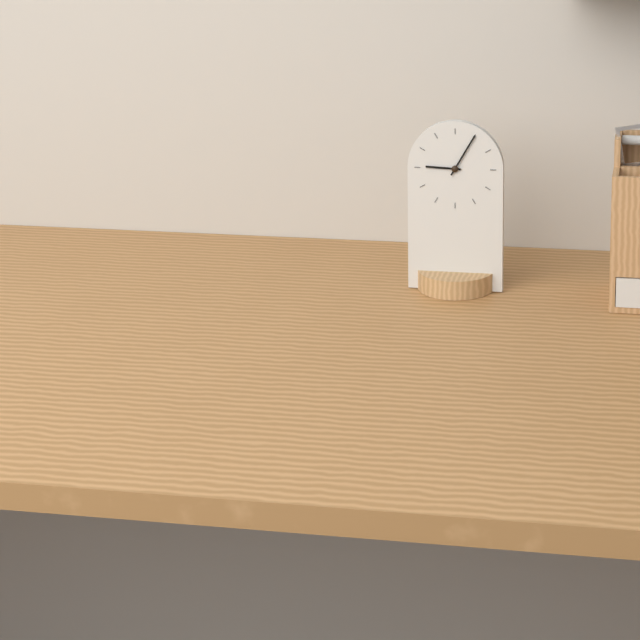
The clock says 9,05
